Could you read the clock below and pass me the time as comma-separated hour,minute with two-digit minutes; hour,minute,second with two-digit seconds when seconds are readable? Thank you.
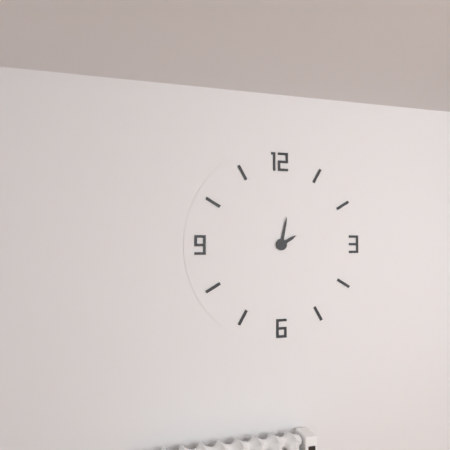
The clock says 2,02
